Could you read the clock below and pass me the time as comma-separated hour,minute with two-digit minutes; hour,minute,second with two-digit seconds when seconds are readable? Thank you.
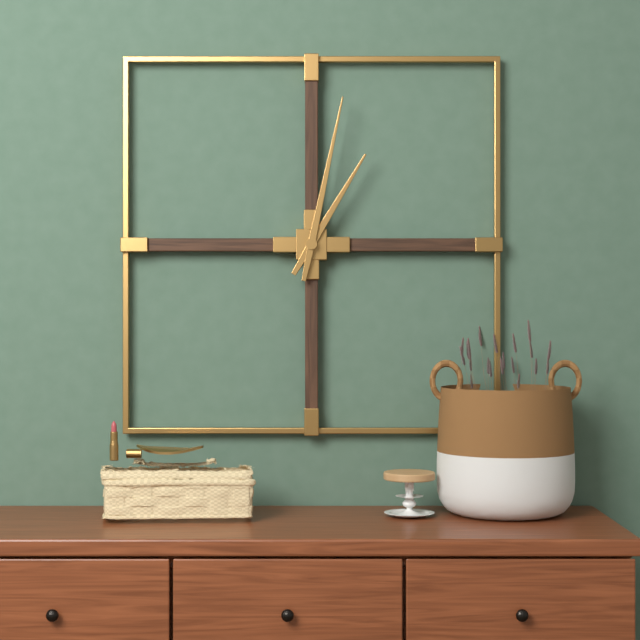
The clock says 1,02
